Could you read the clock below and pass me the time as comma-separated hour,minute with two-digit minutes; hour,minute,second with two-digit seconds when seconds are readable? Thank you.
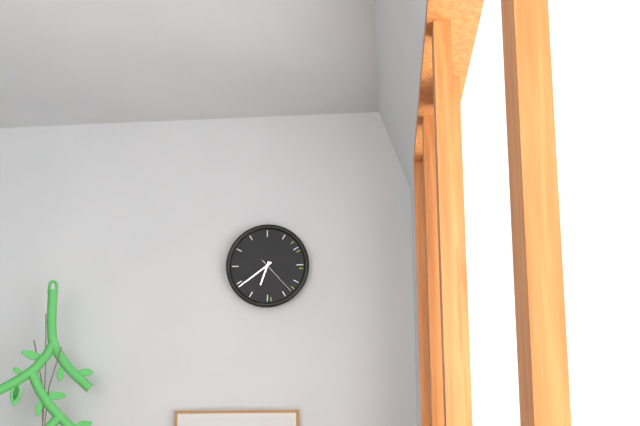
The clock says 6,39
